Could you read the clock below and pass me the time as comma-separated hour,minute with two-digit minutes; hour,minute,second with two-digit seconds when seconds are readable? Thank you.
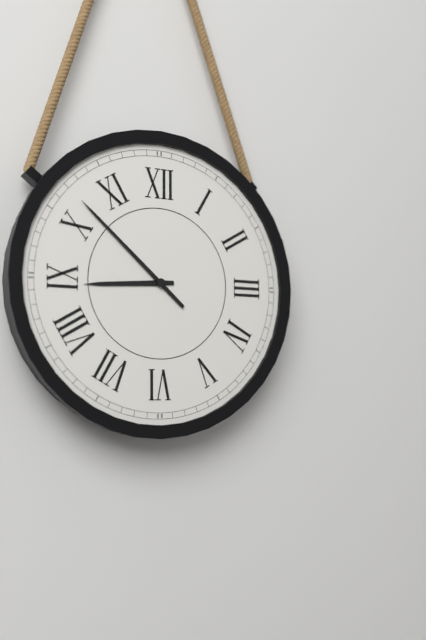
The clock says 8,52
